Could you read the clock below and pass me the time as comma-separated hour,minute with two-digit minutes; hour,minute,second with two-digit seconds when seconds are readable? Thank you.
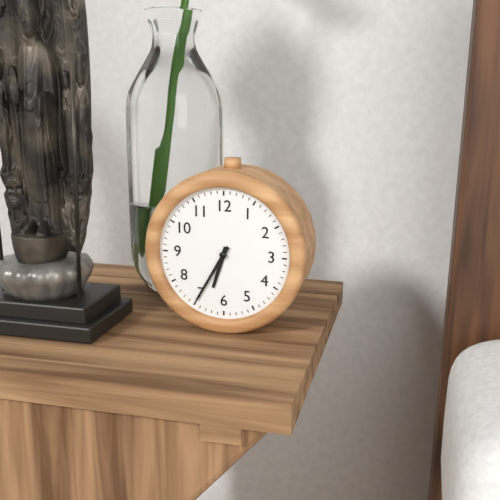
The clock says 6,35
